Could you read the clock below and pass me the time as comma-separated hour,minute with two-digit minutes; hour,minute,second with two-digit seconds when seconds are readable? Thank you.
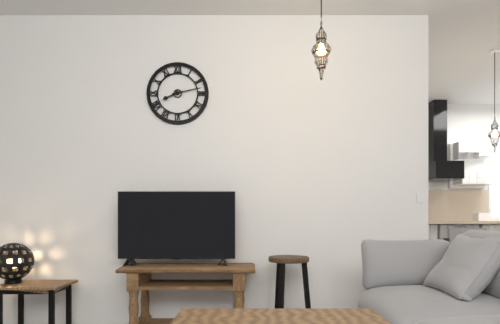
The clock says 8,13
